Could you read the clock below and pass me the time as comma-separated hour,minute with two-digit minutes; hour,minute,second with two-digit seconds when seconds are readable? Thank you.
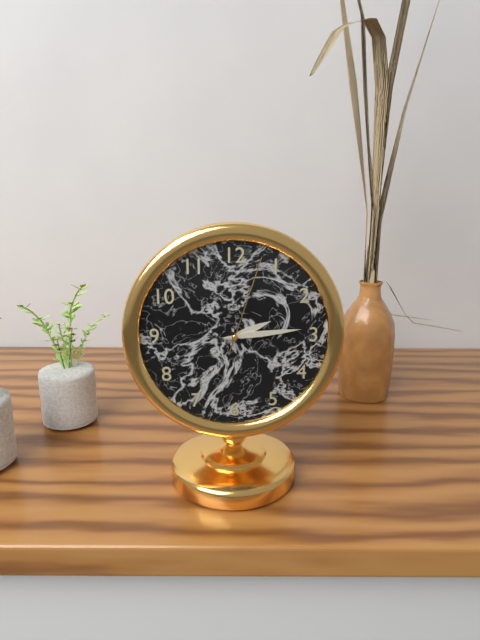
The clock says 2,14,03
